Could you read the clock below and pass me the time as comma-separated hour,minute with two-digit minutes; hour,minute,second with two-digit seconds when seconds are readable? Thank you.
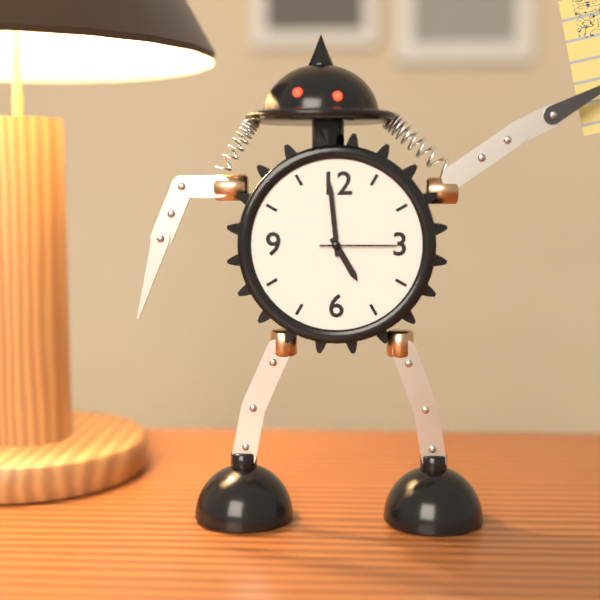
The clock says 4,59,15
